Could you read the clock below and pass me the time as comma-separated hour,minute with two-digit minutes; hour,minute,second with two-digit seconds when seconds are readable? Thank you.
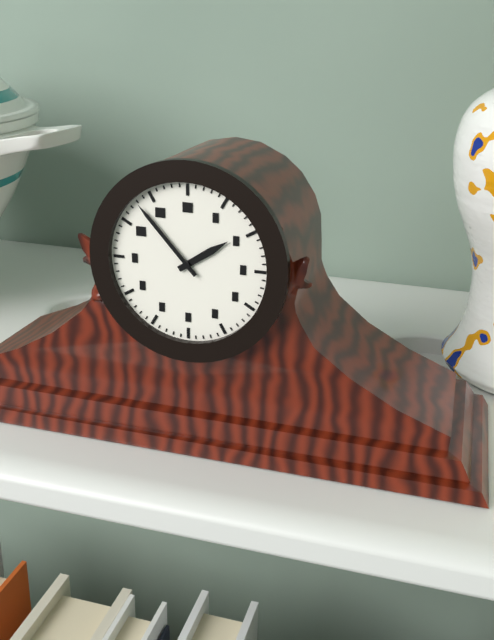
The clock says 1,53
